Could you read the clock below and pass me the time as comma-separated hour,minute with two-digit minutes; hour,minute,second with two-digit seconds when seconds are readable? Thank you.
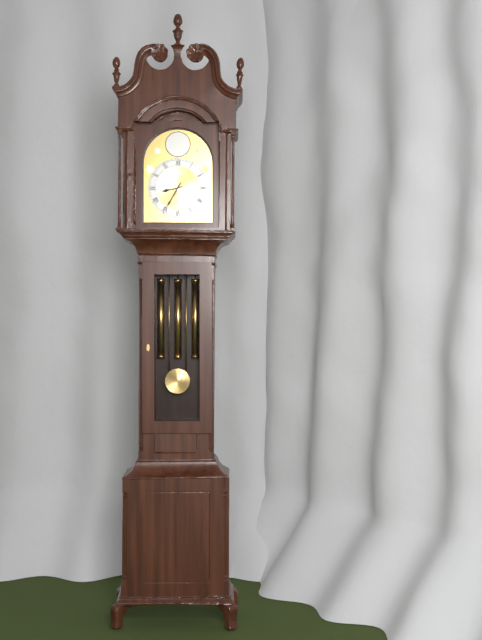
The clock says 8,35
